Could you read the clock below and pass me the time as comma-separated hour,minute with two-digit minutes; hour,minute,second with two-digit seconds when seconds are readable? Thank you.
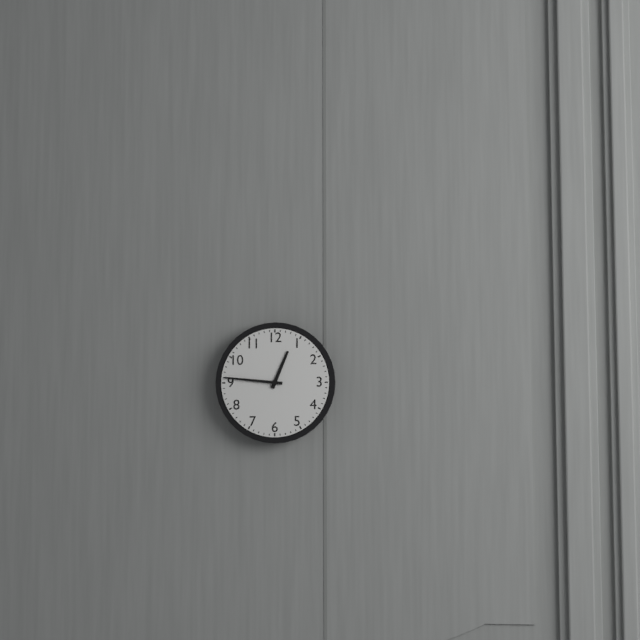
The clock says 12,46
